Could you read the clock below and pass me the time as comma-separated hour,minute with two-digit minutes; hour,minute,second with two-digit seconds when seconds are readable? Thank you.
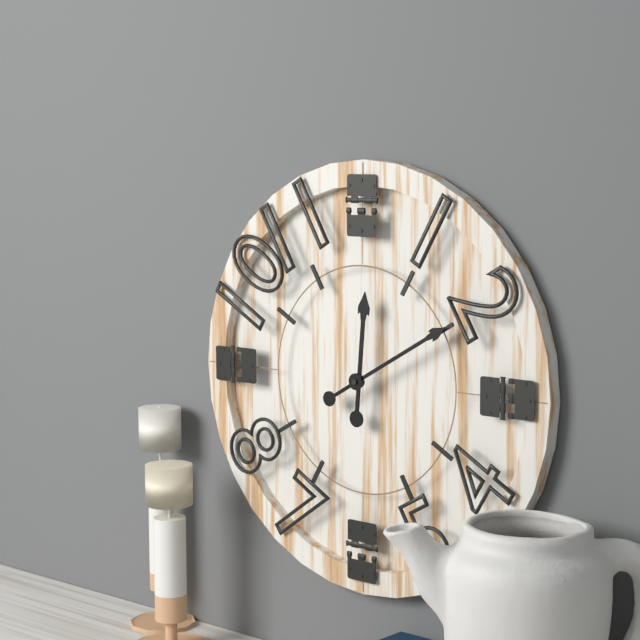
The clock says 12,10
